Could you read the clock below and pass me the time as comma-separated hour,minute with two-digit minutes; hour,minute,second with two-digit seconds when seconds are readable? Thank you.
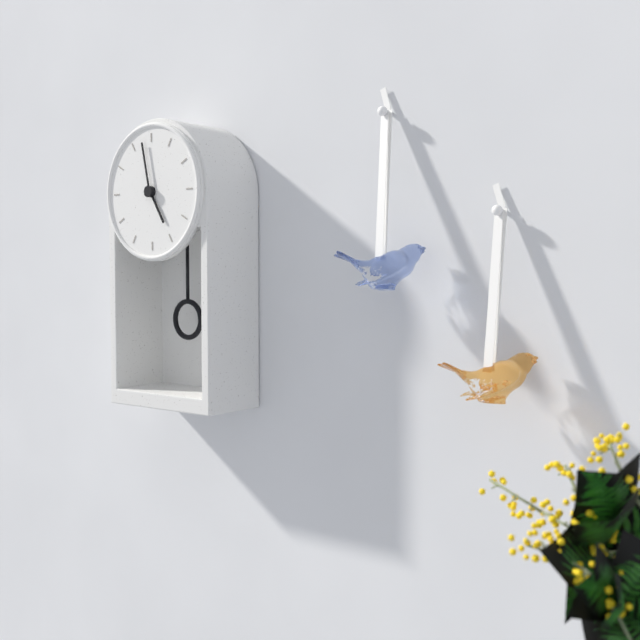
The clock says 4,58
